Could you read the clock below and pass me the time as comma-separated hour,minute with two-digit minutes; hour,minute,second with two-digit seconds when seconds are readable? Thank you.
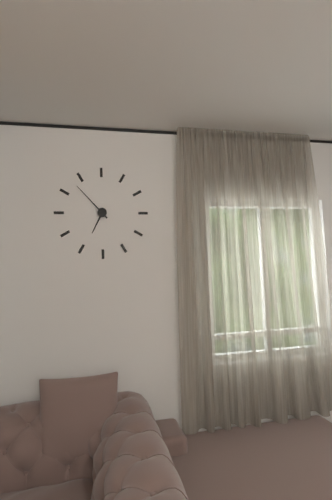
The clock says 6,53
